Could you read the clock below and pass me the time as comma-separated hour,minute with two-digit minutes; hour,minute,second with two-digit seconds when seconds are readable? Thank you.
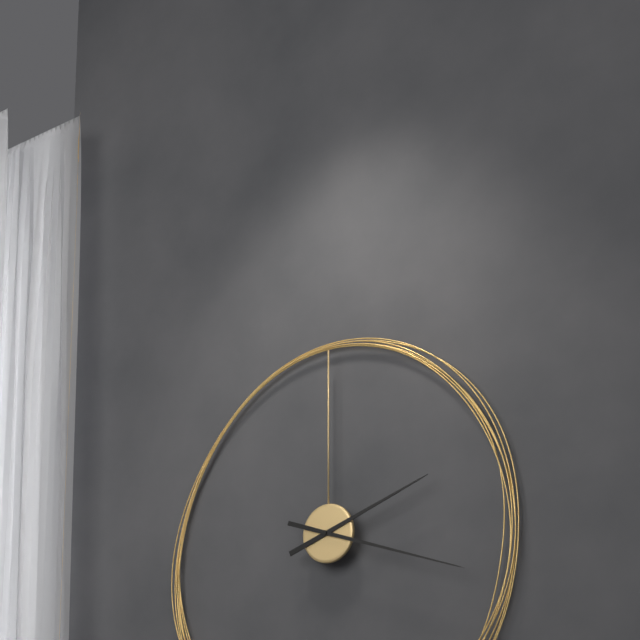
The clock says 2,18
